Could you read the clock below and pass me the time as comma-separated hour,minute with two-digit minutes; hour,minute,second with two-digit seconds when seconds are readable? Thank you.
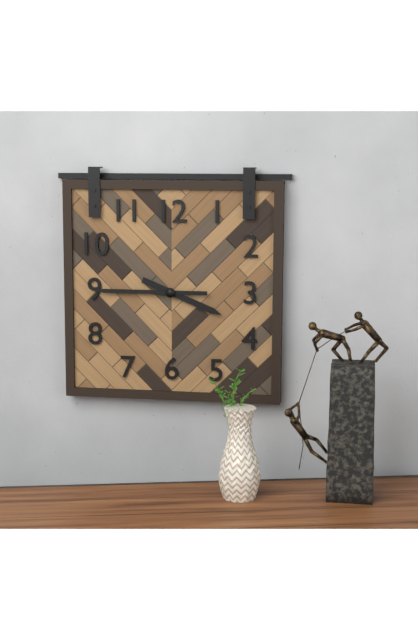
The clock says 3,45
